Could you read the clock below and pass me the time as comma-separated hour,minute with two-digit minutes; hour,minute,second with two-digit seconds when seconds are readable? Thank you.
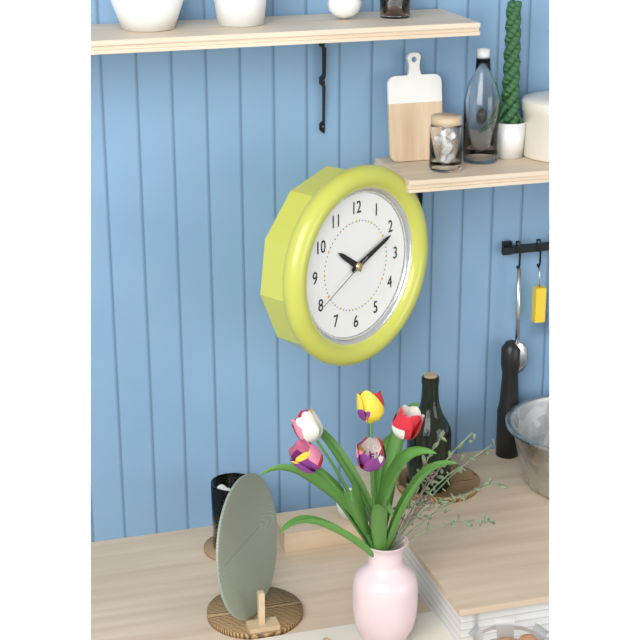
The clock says 10,11,40
